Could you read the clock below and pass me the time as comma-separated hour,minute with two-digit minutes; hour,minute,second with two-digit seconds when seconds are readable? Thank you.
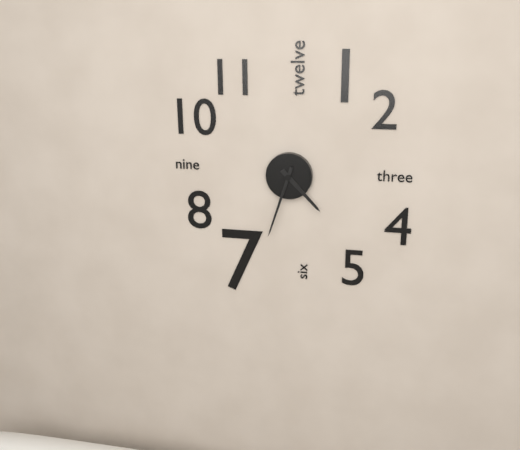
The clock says 4,33
